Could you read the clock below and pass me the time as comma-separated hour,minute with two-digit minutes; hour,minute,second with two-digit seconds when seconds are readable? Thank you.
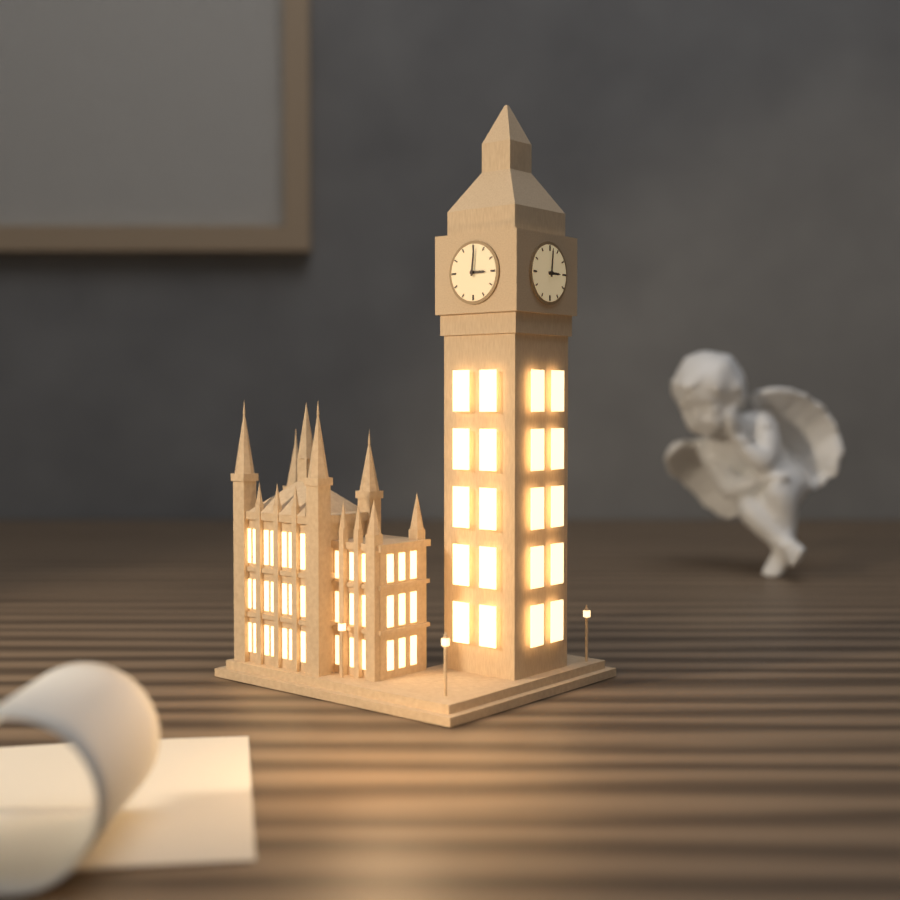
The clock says 3,01
